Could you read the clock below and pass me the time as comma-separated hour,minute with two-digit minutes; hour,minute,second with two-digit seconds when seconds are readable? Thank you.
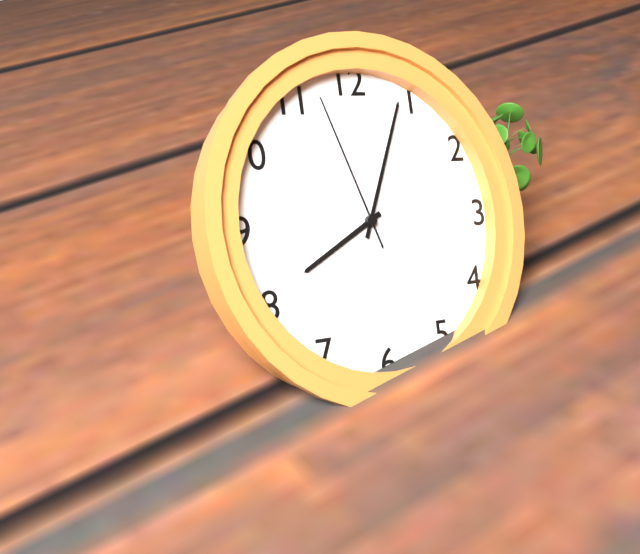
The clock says 8,04,57
